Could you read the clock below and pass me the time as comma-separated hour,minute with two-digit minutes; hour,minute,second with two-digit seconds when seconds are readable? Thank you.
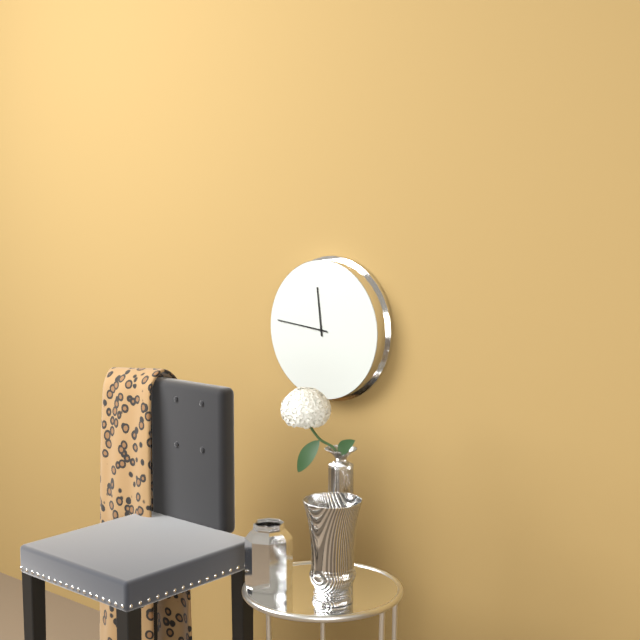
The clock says 11,46
